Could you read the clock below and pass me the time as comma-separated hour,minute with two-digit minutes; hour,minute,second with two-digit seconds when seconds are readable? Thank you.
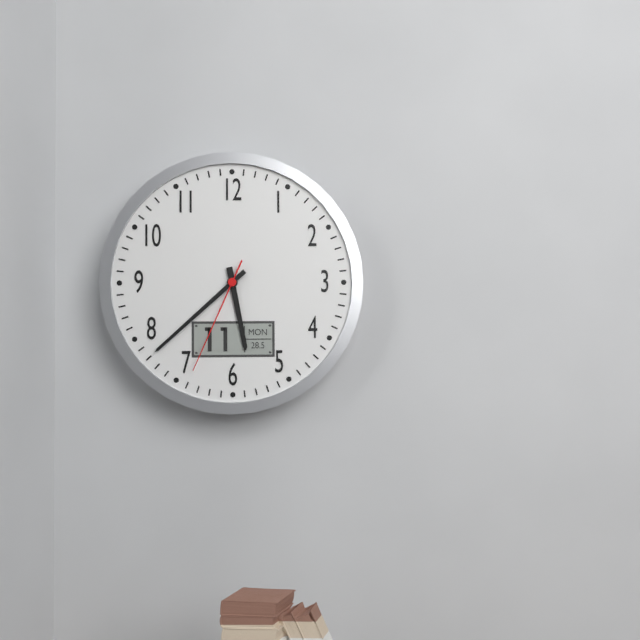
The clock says 5,38,34
